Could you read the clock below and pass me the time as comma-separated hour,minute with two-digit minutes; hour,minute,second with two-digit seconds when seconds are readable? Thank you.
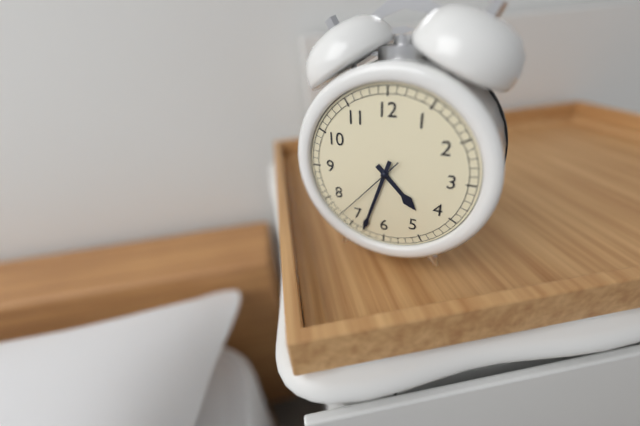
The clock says 4,33,37
